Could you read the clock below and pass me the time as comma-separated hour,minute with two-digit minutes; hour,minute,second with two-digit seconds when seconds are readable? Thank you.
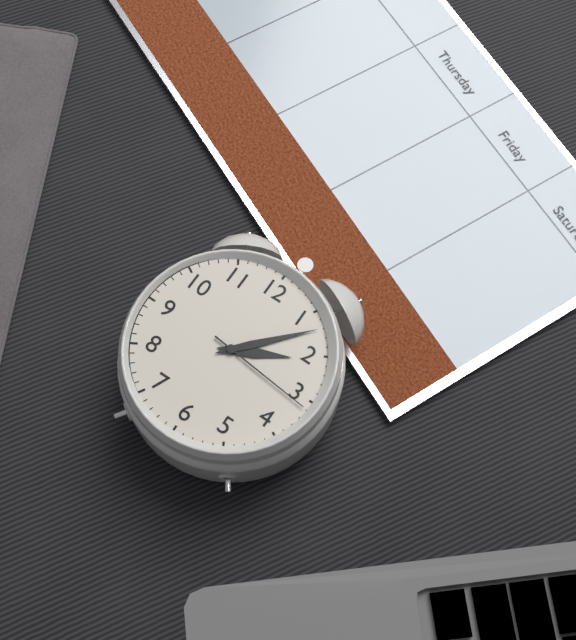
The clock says 2,07,16
